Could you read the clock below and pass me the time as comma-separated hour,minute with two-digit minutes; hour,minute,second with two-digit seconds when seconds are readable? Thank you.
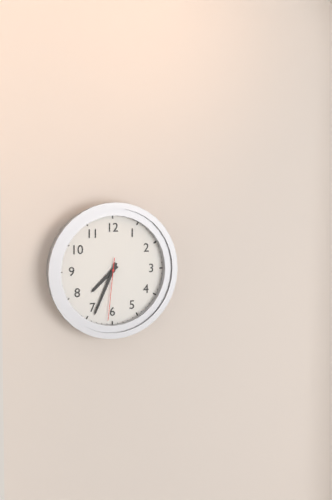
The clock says 7,34,31
